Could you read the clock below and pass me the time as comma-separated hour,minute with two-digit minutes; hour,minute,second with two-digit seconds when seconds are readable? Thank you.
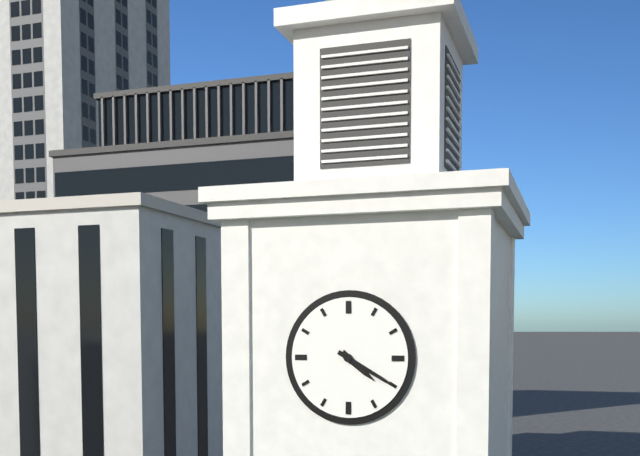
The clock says 4,20
